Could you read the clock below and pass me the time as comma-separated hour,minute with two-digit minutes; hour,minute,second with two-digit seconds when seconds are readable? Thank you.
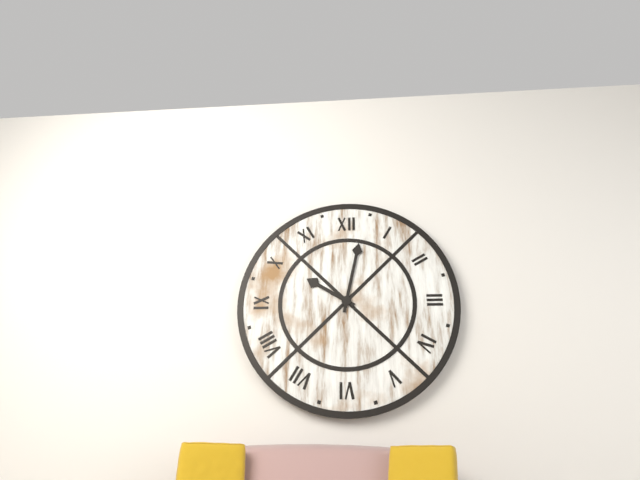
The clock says 10,02
